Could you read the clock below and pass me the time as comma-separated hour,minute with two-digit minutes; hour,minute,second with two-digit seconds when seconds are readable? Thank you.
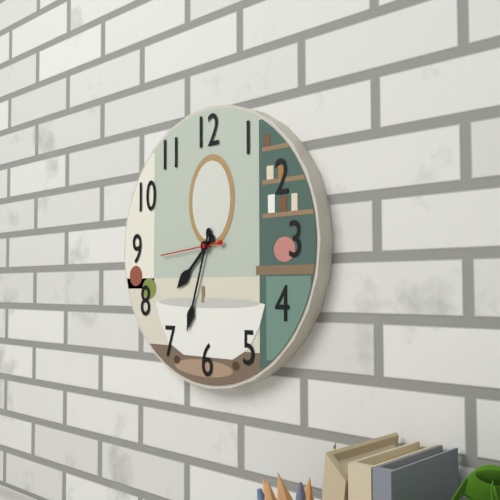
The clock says 7,33,44
